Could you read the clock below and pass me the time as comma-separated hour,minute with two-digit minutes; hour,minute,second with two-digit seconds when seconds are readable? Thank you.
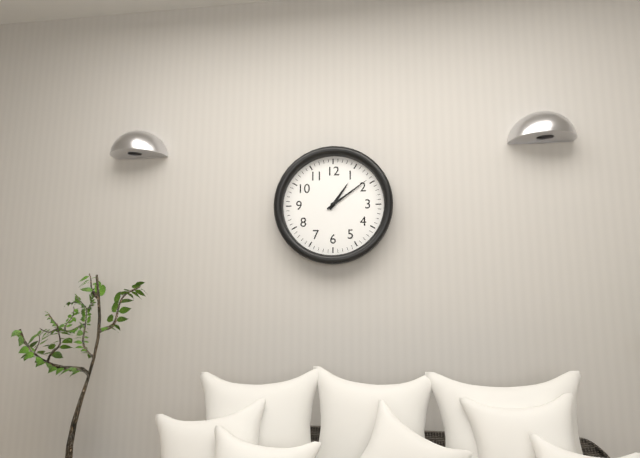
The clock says 1,09
